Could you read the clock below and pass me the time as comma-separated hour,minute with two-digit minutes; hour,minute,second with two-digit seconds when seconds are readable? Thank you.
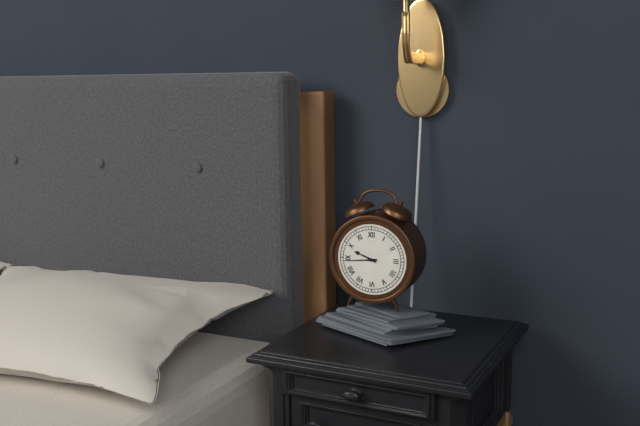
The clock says 9,44
